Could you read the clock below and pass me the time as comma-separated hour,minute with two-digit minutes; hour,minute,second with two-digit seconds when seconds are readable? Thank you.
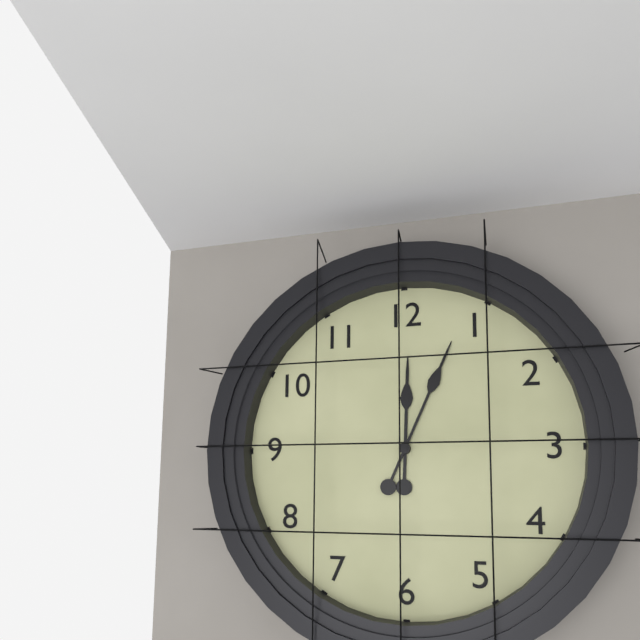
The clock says 12,04
